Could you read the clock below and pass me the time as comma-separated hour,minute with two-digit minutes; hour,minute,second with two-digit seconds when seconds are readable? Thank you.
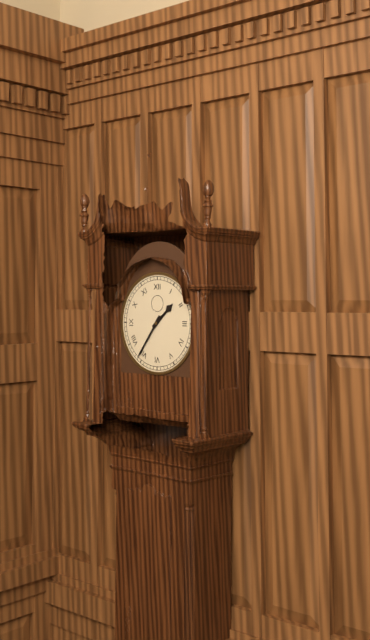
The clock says 1,36
